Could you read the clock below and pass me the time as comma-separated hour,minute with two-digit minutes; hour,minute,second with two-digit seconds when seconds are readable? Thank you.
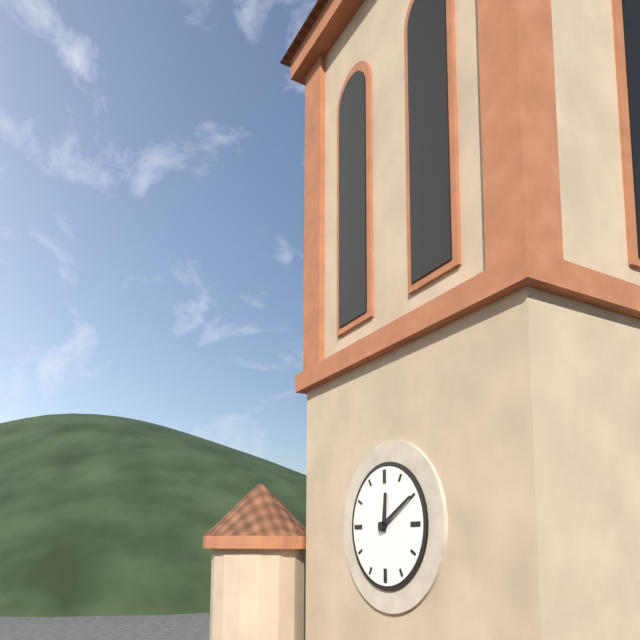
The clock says 12,10
